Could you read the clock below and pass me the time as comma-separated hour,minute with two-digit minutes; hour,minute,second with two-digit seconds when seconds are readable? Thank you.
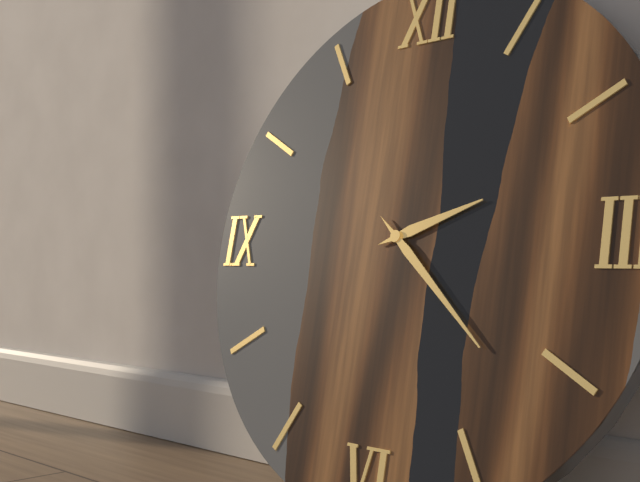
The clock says 2,22
